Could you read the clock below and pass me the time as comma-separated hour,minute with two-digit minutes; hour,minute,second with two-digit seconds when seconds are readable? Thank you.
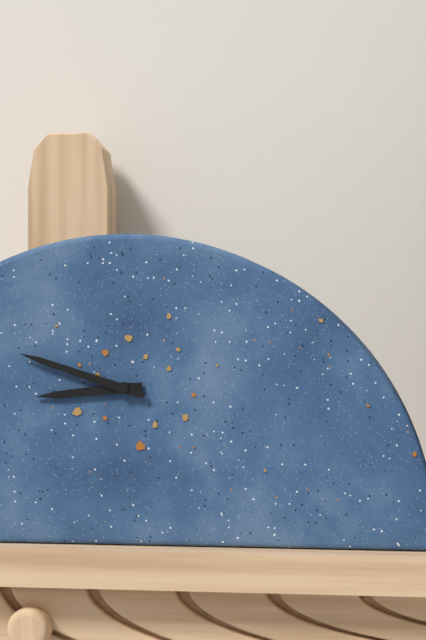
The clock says 8,48
